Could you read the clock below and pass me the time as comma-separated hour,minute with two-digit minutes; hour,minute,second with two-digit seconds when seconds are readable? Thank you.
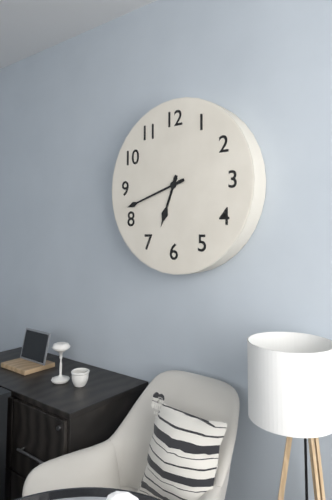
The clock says 6,42
